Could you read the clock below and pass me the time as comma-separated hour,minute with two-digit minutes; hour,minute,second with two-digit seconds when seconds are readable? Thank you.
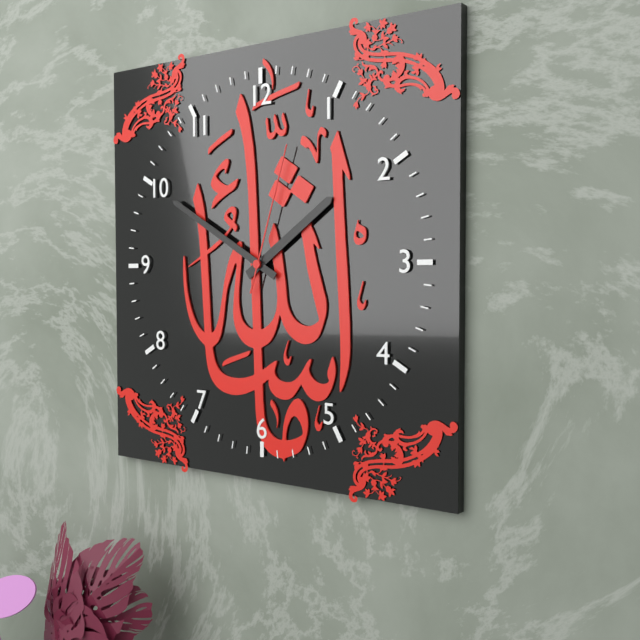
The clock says 1,50,03
